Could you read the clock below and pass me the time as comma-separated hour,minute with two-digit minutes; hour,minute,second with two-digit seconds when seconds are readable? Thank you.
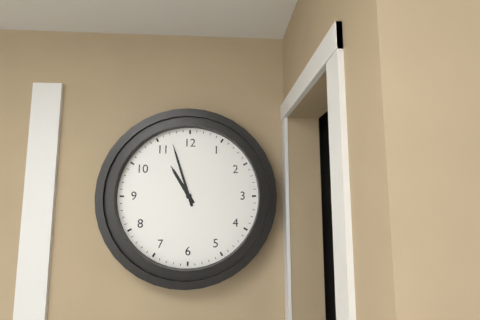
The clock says 10,57
